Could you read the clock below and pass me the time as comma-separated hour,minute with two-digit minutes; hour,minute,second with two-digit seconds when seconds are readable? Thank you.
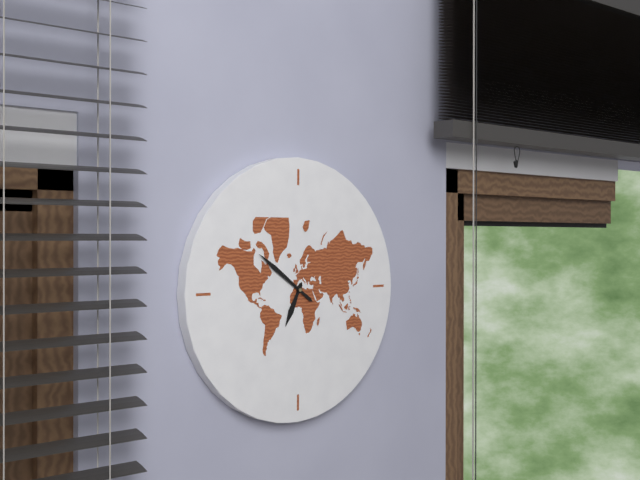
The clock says 6,51
